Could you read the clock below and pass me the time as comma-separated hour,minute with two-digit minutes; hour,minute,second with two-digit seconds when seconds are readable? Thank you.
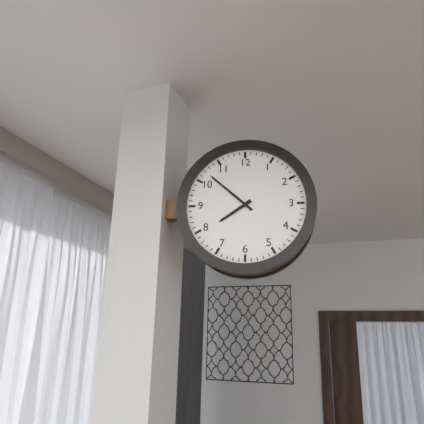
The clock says 7,52
